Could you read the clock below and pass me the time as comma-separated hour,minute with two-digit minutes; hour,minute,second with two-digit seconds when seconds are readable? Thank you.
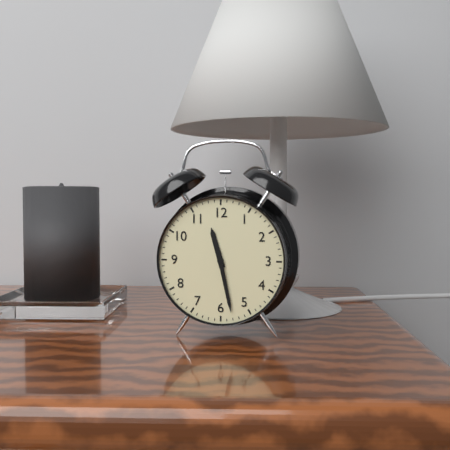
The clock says 11,28
